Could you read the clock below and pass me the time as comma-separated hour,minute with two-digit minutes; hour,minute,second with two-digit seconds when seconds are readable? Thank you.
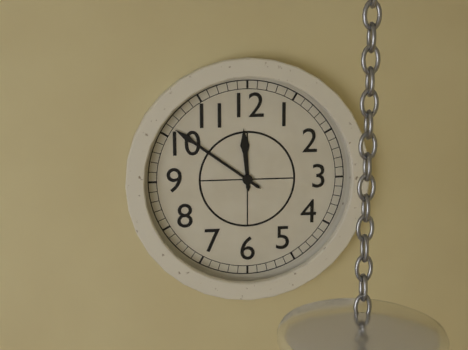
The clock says 11,51
